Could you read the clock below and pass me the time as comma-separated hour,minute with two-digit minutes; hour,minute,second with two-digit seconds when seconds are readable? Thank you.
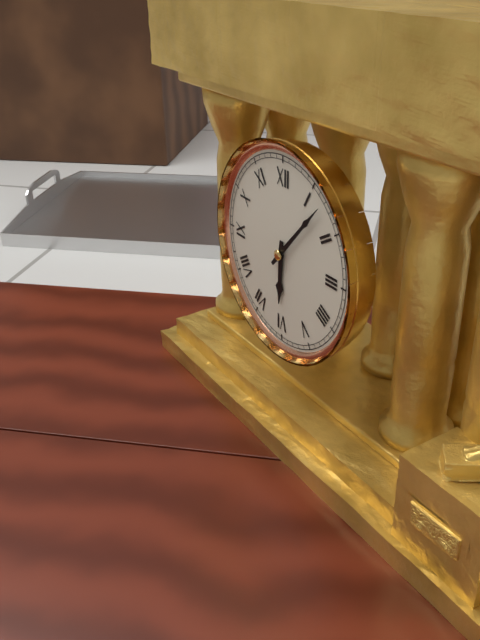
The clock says 6,07
